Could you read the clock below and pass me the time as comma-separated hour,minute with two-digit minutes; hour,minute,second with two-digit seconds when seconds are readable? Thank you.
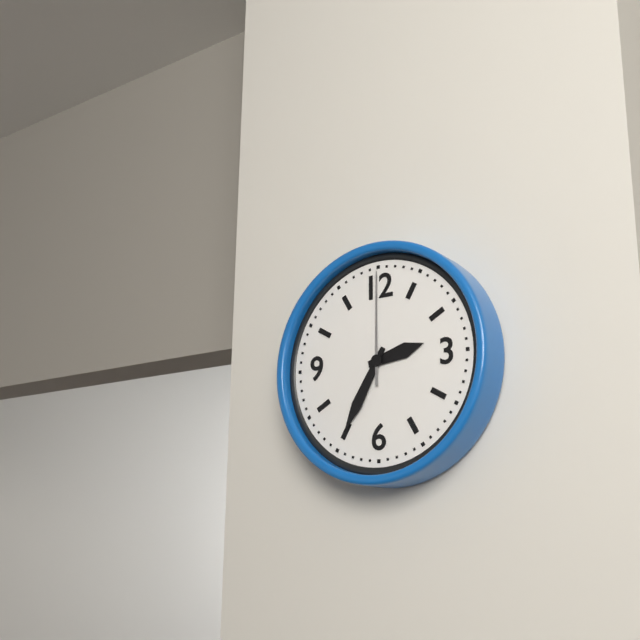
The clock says 2,35,00
